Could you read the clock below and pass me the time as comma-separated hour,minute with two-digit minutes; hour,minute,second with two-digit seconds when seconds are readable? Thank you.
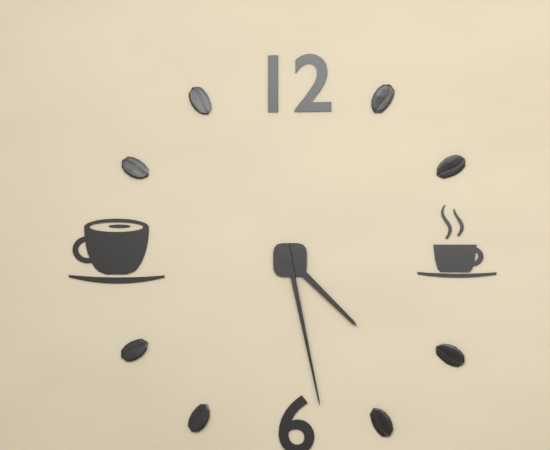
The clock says 4,28
